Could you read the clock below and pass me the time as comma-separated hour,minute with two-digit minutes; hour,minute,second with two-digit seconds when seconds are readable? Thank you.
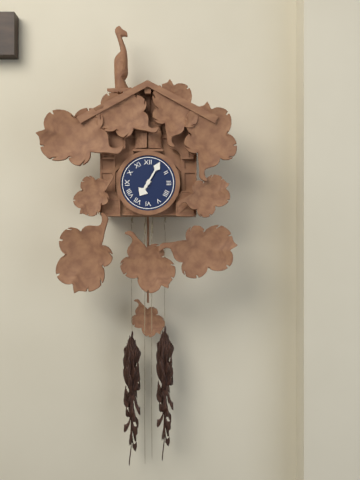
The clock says 7,05
